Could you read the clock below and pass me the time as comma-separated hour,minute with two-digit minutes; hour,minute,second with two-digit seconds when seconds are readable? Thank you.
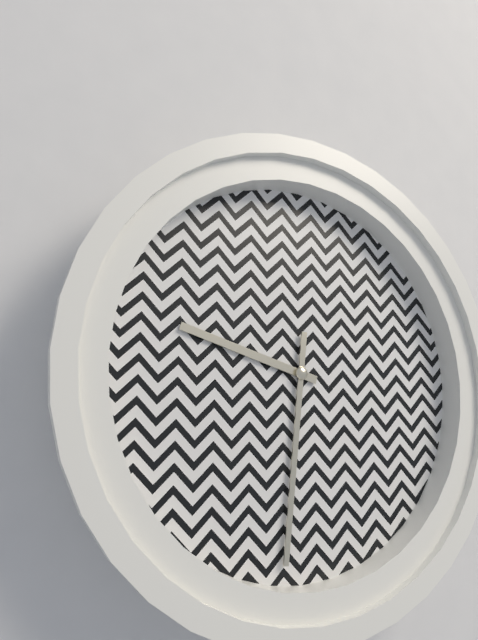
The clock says 9,31
